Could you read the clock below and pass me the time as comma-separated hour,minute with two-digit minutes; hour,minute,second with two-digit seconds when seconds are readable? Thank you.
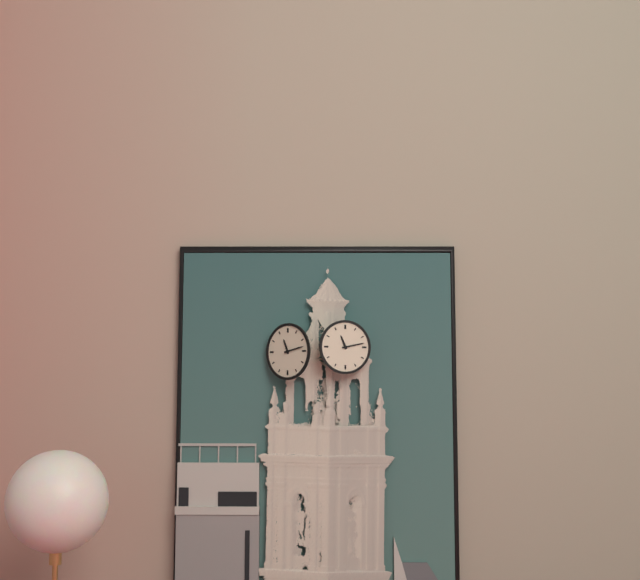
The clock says 11,13
